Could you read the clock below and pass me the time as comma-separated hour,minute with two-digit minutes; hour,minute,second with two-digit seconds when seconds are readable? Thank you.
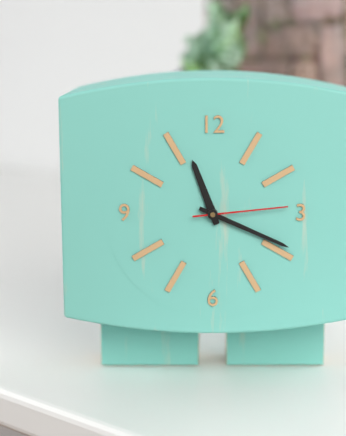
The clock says 11,19,14
